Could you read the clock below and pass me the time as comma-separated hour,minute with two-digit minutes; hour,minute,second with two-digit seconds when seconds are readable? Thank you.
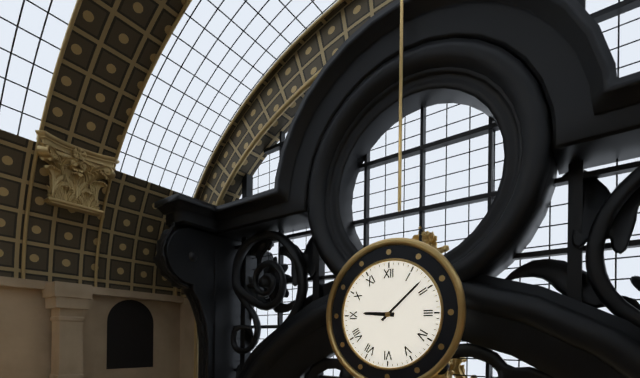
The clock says 9,08
